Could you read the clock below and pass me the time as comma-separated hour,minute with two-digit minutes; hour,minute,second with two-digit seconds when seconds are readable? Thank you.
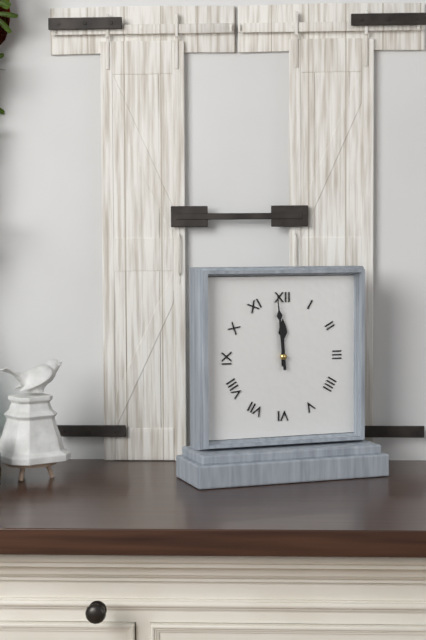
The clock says 11,59
